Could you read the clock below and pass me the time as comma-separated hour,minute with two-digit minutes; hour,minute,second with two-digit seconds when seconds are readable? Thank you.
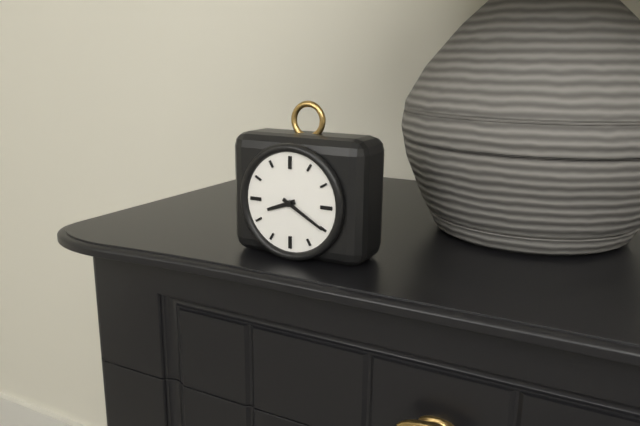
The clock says 8,20
